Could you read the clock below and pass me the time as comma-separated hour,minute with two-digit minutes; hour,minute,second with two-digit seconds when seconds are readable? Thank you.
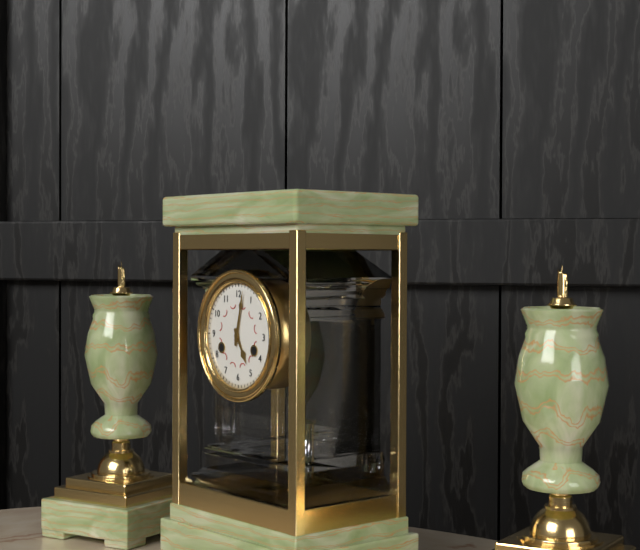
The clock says 5,02
